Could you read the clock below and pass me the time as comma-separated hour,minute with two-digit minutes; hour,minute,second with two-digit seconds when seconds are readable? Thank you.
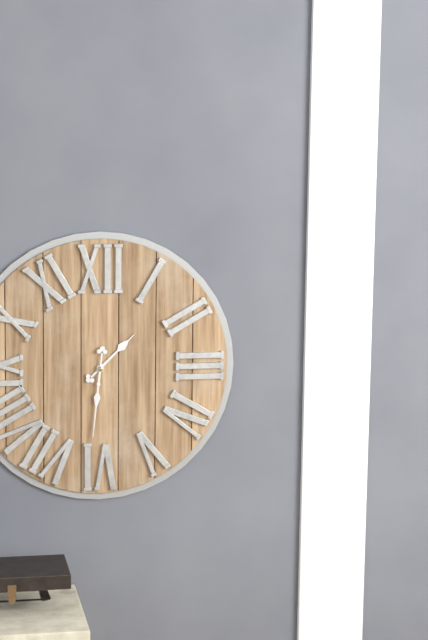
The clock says 1,31
